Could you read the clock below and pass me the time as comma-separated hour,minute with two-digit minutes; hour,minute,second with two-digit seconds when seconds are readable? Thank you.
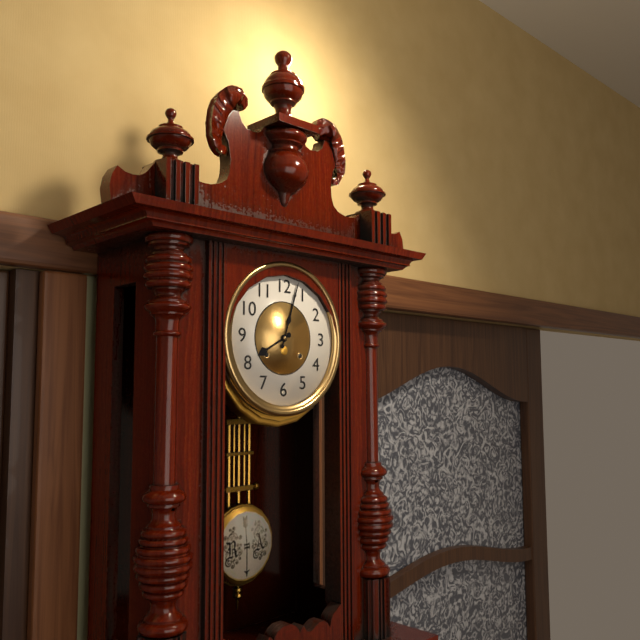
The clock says 8,03
